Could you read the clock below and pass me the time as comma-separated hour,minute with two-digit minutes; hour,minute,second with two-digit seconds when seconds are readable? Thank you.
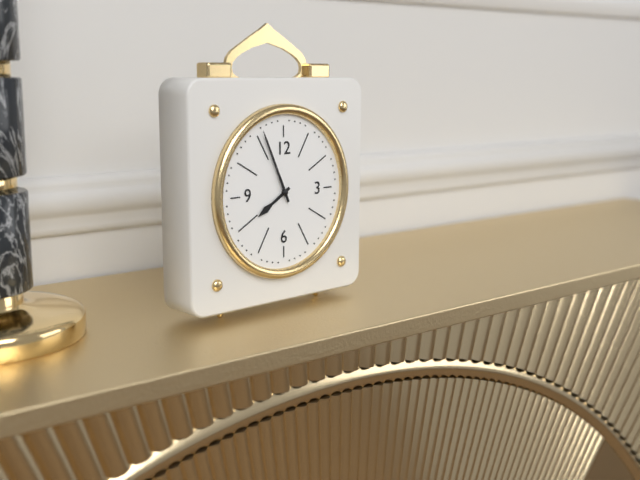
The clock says 7,56
